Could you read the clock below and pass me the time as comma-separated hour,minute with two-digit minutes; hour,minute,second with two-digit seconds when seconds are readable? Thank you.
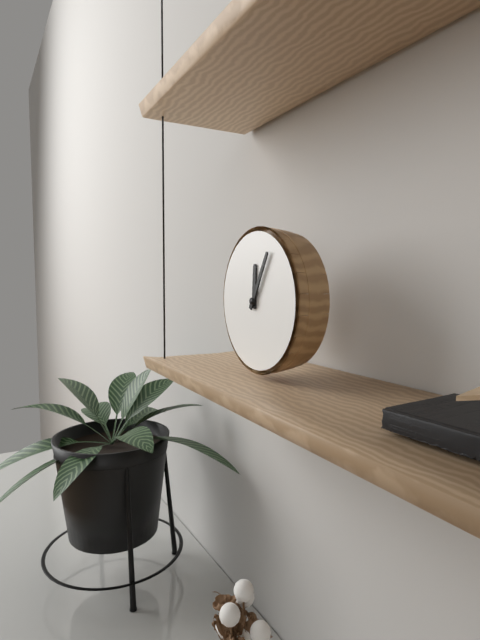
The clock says 12,05
